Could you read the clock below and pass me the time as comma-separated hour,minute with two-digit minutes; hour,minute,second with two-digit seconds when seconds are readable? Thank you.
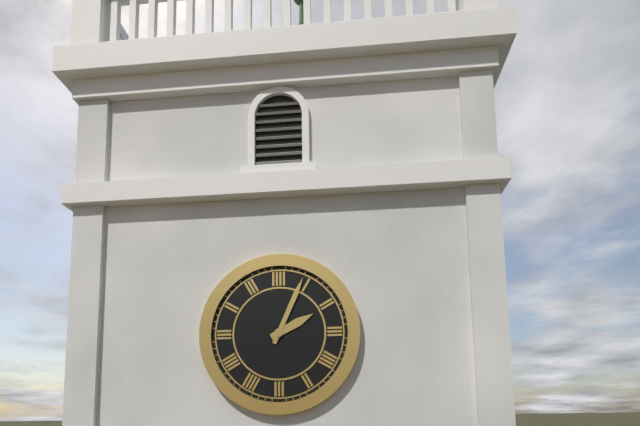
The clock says 2,04
